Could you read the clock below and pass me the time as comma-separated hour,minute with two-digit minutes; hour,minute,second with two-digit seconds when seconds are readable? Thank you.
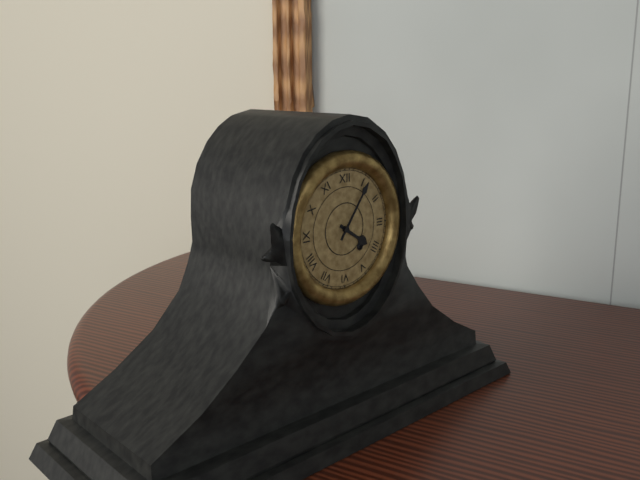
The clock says 4,06
